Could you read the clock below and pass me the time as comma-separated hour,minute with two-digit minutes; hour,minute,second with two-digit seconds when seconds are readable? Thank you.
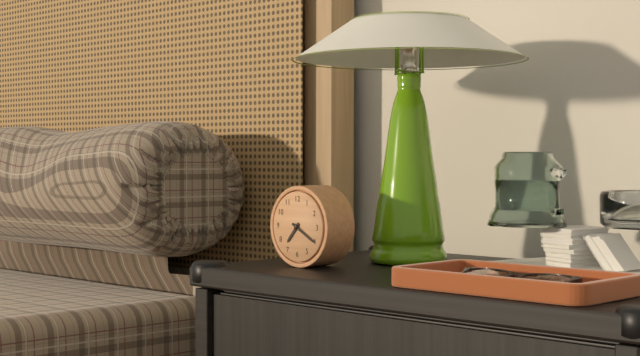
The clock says 7,20
